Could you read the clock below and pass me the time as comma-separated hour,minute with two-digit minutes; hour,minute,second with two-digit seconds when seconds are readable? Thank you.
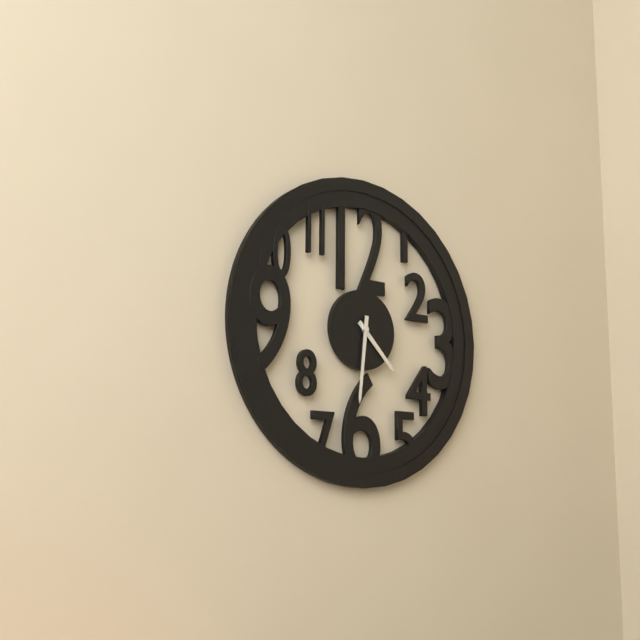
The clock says 4,31
